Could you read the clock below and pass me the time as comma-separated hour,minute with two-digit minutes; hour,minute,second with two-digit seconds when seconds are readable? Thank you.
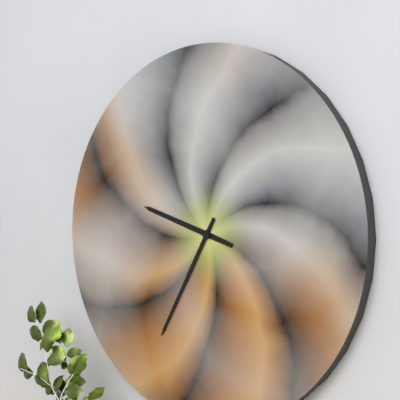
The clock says 9,35
